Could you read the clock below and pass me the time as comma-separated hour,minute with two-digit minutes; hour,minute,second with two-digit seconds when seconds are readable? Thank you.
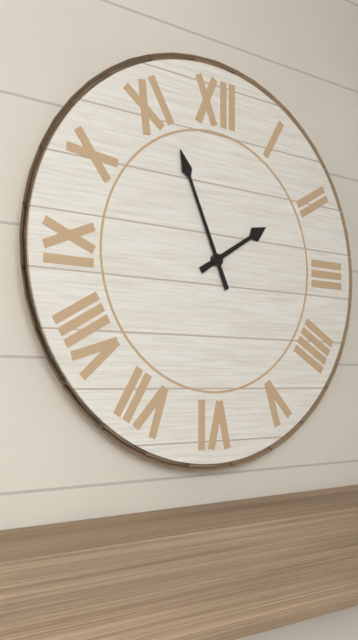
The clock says 1,56
